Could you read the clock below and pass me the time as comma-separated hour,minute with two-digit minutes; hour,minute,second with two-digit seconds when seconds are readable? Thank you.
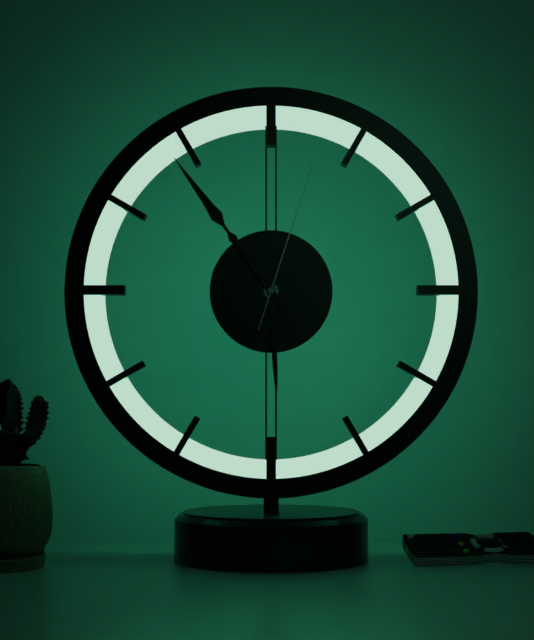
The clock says 5,54,03
